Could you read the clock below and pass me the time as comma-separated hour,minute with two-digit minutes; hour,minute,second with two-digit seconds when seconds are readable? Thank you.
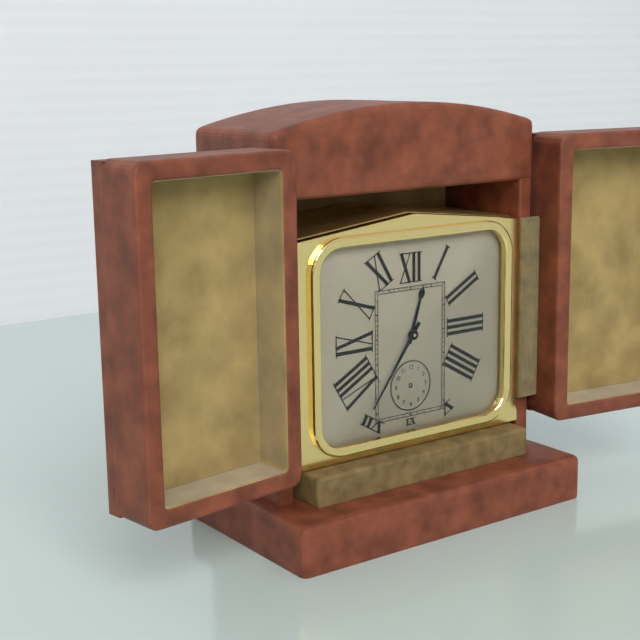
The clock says 12,36
